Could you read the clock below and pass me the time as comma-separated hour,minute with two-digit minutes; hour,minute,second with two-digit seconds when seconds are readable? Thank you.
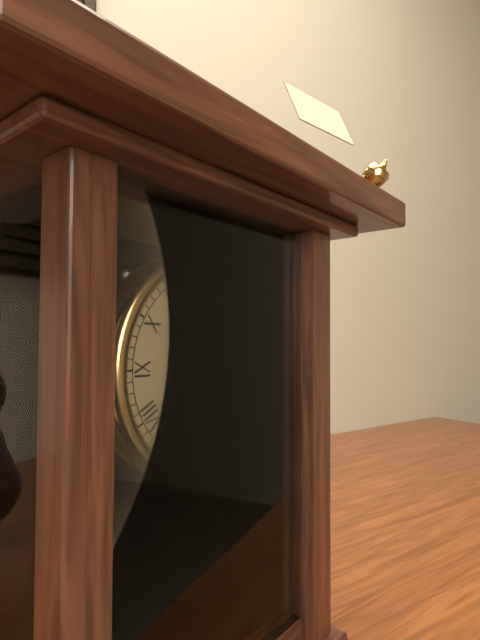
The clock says 3,10
